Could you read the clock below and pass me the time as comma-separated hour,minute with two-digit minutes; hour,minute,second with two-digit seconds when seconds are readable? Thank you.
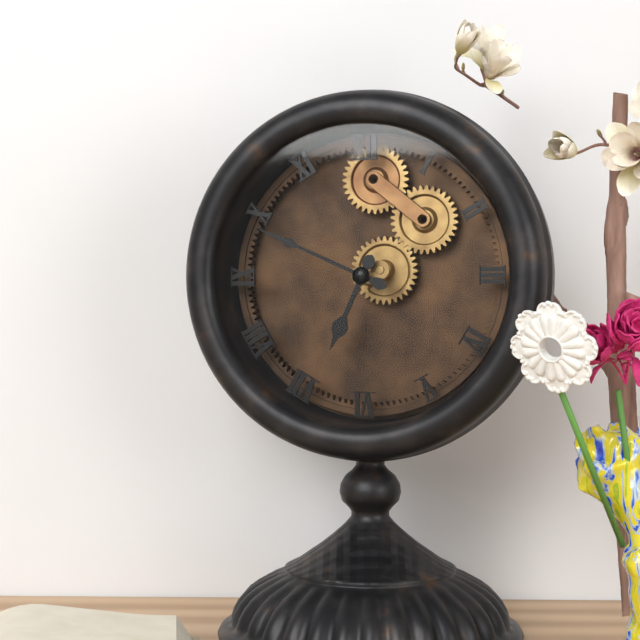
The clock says 6,49
